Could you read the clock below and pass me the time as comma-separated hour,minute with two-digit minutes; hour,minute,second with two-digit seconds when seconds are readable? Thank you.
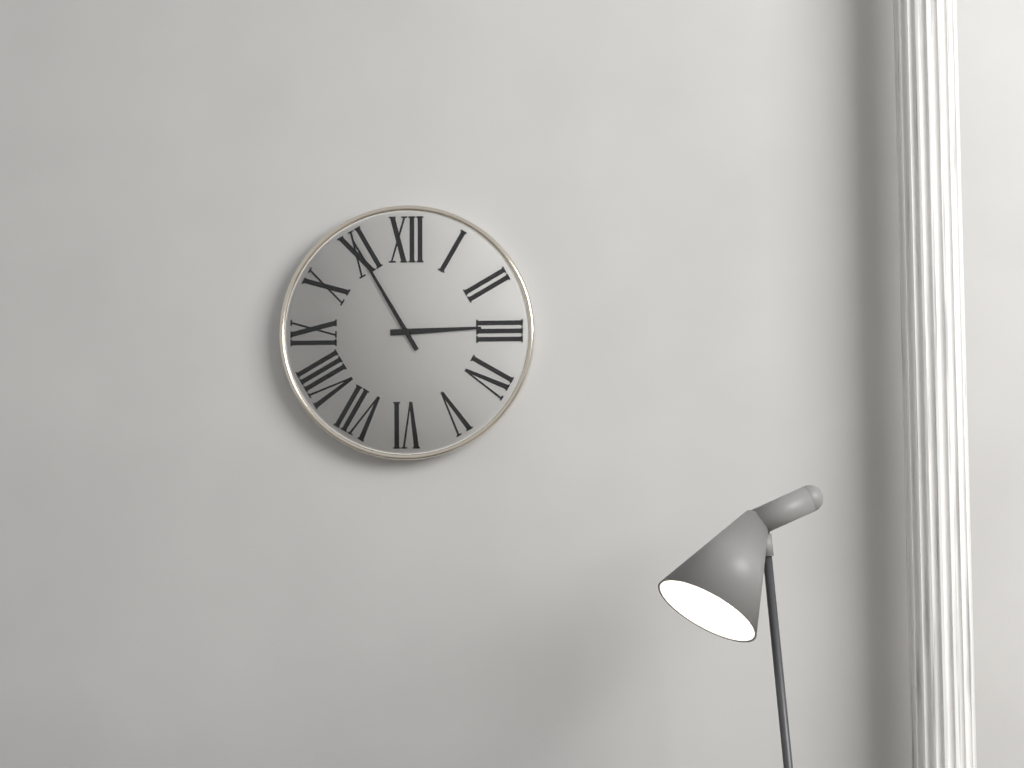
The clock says 2,55
